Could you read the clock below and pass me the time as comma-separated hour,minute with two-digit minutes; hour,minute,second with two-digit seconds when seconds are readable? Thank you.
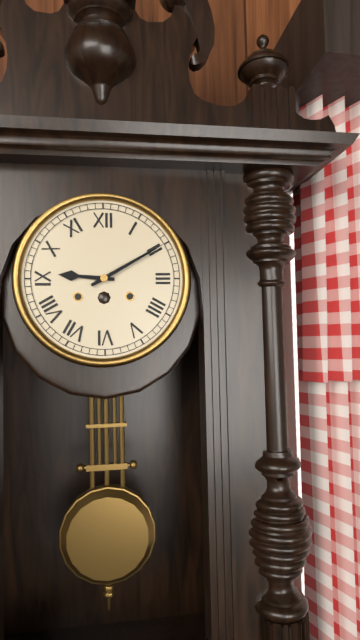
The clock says 9,10
